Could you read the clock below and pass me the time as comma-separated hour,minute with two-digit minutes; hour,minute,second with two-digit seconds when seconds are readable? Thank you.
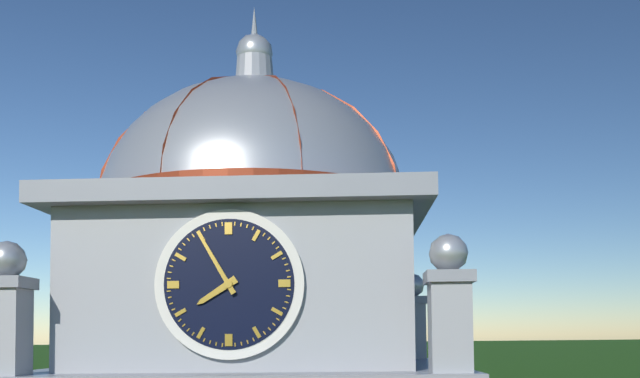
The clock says 7,55
